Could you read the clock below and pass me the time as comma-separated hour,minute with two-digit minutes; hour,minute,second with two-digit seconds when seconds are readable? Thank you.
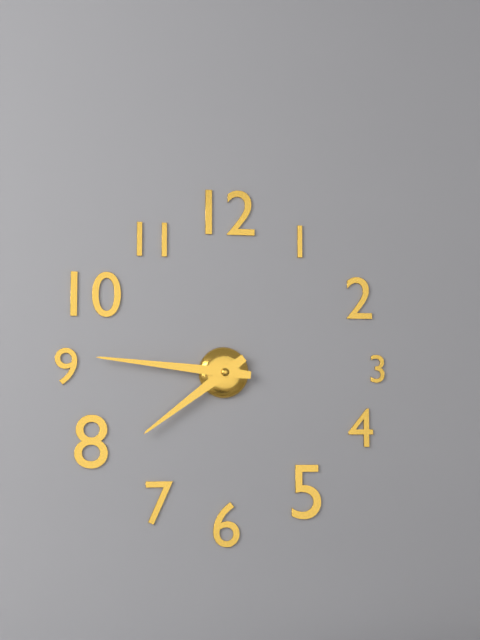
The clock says 7,46
